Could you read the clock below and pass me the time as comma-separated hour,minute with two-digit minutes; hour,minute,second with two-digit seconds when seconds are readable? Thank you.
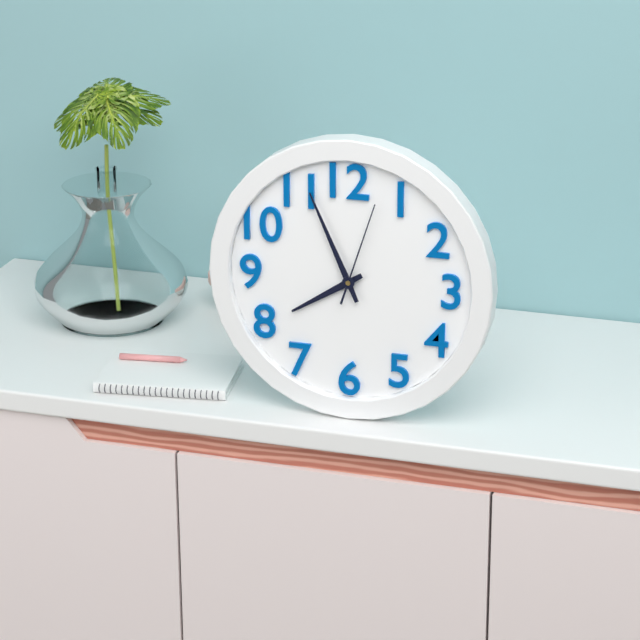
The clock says 7,56,03
